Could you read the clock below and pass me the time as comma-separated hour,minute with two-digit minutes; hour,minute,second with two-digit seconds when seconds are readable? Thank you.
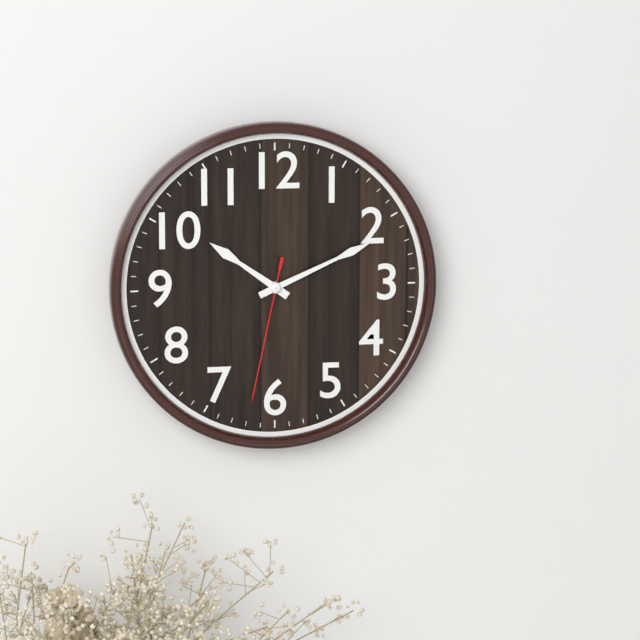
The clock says 10,11,32
